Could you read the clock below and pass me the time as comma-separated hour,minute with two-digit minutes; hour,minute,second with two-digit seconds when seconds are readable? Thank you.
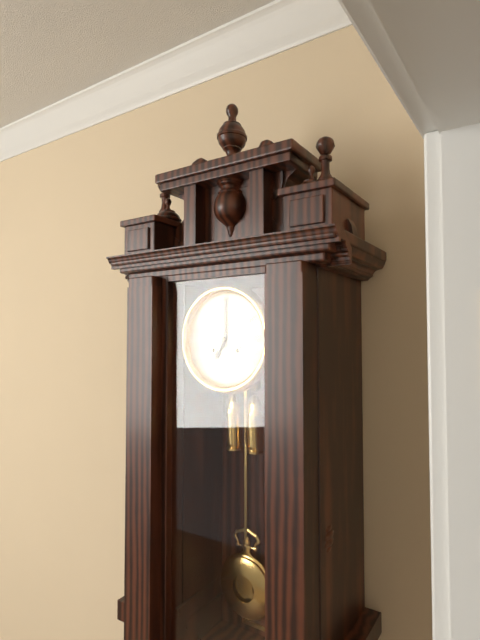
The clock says 7,00
